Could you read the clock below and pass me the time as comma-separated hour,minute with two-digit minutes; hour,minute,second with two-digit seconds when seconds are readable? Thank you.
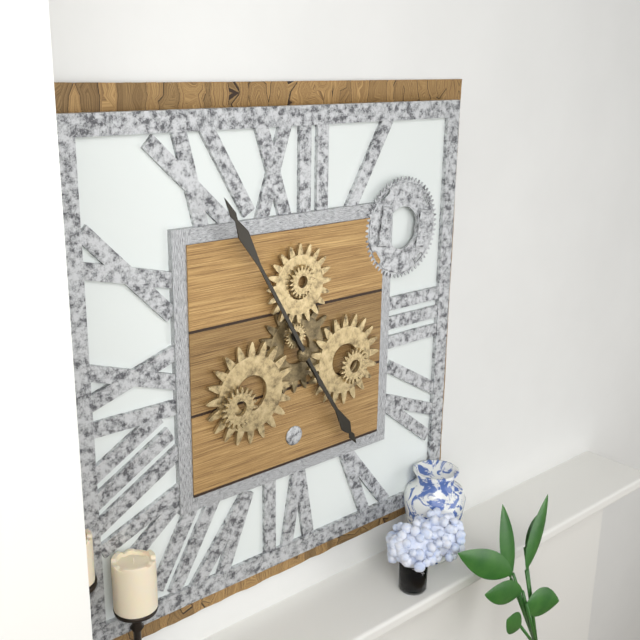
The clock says 4,55
